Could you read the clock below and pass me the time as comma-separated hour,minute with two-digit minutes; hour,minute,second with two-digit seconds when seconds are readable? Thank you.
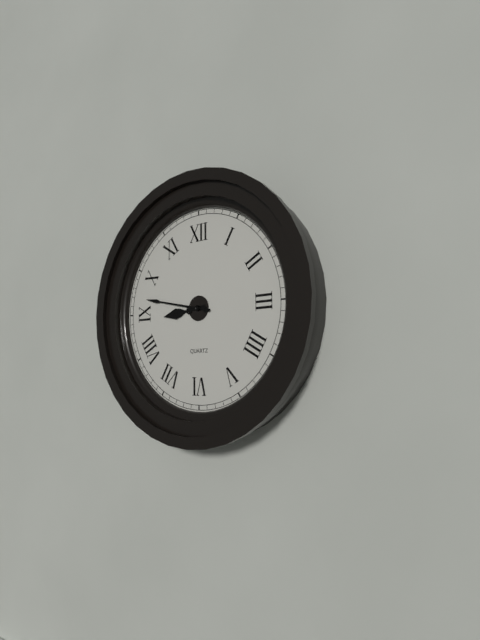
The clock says 8,47
